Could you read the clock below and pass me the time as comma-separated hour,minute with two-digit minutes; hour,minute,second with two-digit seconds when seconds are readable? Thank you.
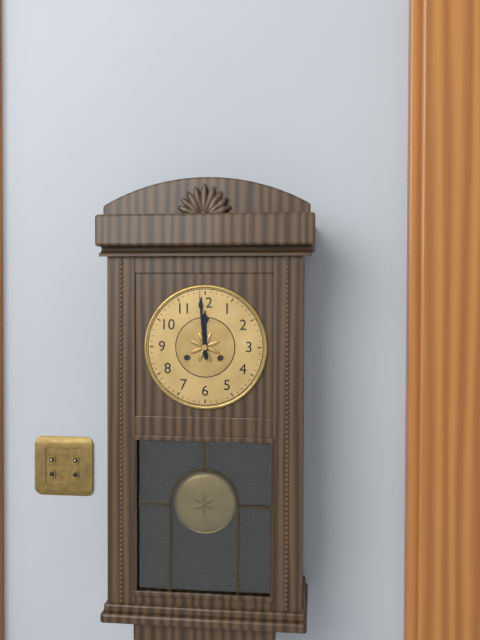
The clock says 11,59
